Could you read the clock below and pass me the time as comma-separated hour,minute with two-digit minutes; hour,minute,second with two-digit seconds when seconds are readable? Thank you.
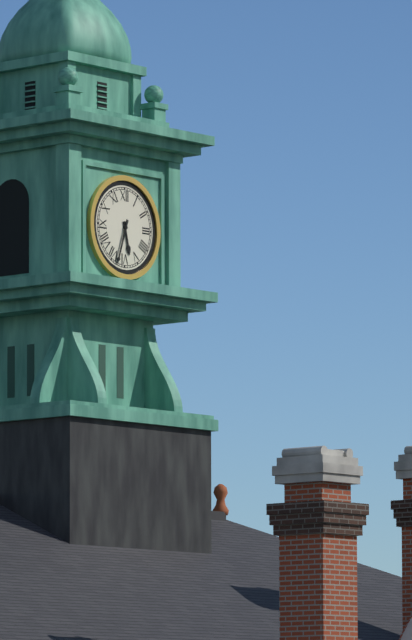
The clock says 5,33
